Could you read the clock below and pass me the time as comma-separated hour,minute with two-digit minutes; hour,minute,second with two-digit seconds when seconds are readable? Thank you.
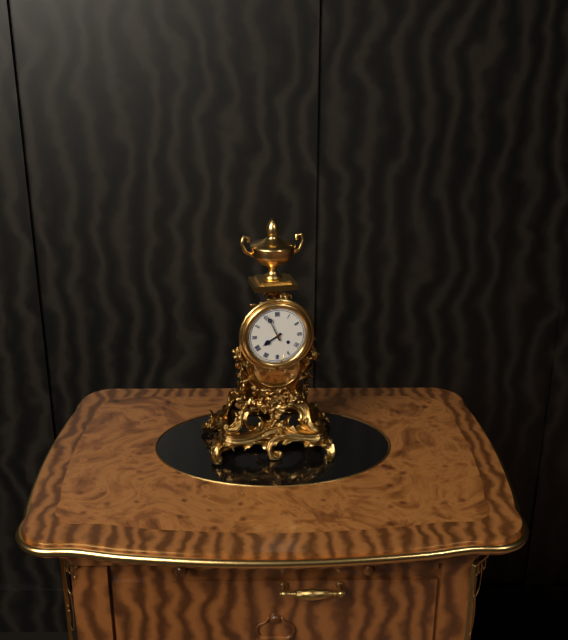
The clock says 7,56
